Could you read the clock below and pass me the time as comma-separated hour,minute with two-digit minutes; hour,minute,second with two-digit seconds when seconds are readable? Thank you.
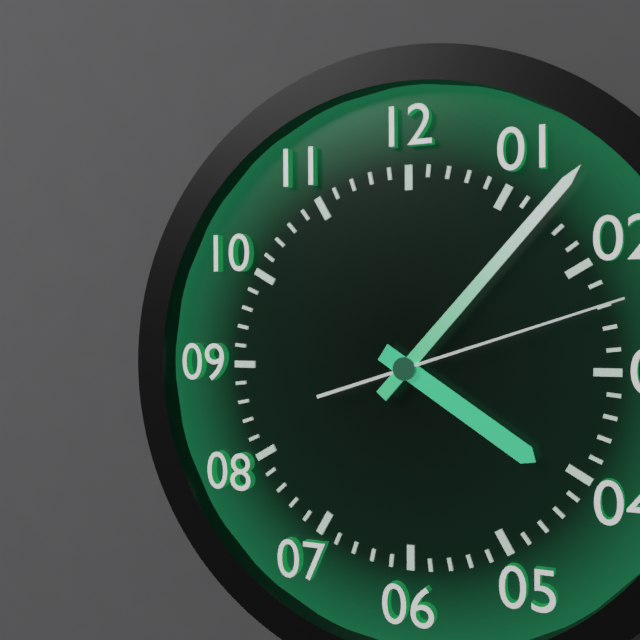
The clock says 4,07,12
